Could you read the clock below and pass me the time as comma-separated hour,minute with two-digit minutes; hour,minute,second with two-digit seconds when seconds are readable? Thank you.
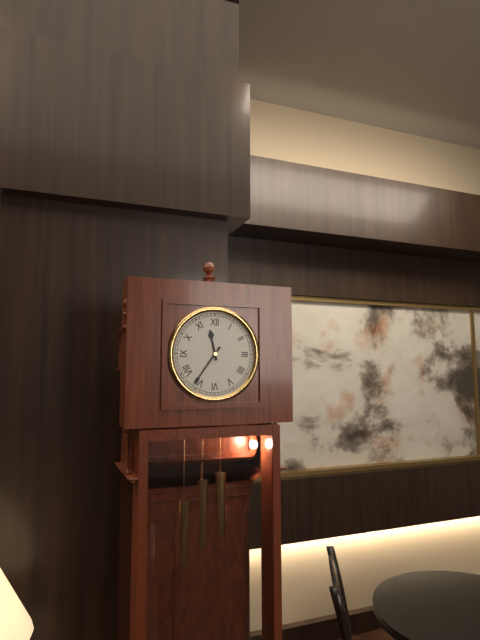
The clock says 11,36
